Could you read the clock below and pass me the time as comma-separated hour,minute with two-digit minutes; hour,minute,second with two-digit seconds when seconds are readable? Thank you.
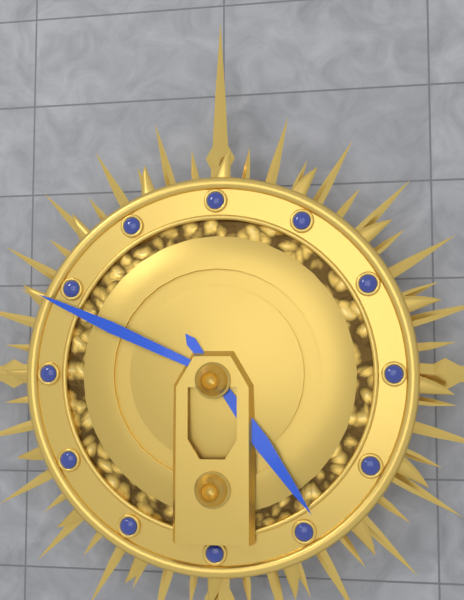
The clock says 4,49
